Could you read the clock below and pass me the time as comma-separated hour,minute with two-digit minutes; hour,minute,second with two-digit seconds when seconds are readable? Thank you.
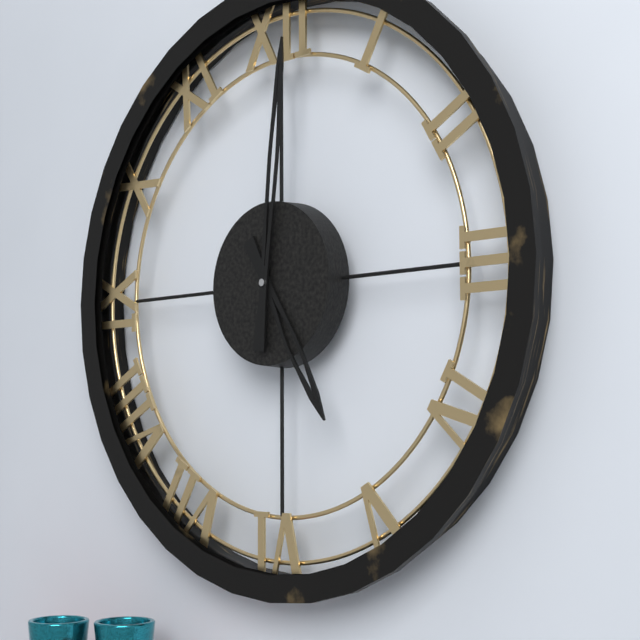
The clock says 5,01
